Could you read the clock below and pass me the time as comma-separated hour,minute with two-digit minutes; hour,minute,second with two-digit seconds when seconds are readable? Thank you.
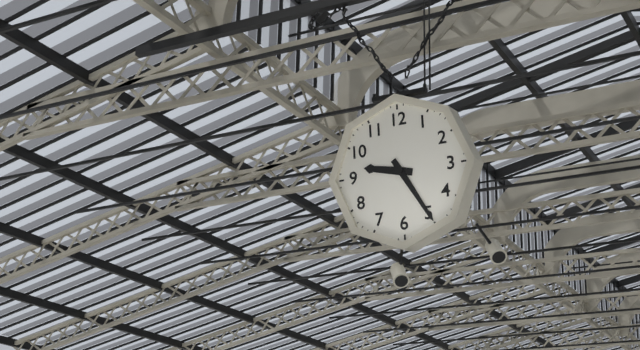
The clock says 9,25
